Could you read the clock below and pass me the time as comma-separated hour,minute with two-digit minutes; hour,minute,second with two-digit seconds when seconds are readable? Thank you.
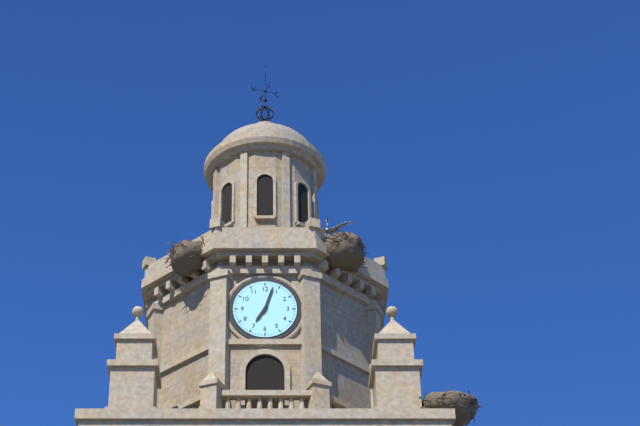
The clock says 7,03
